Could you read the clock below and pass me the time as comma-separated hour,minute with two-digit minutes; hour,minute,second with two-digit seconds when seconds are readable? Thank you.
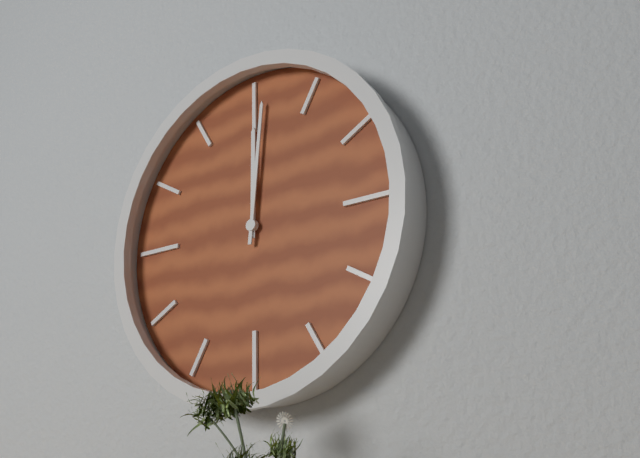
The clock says 12,01
